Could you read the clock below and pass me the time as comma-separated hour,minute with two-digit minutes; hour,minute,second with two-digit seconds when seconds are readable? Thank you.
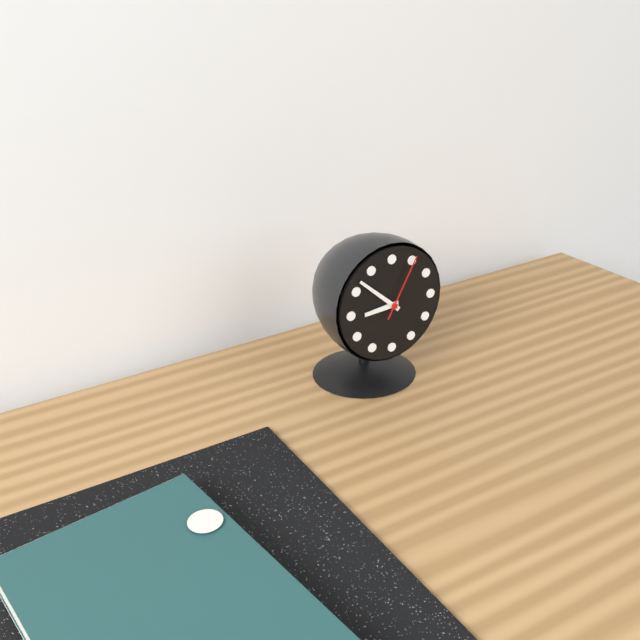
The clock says 8,52,05
